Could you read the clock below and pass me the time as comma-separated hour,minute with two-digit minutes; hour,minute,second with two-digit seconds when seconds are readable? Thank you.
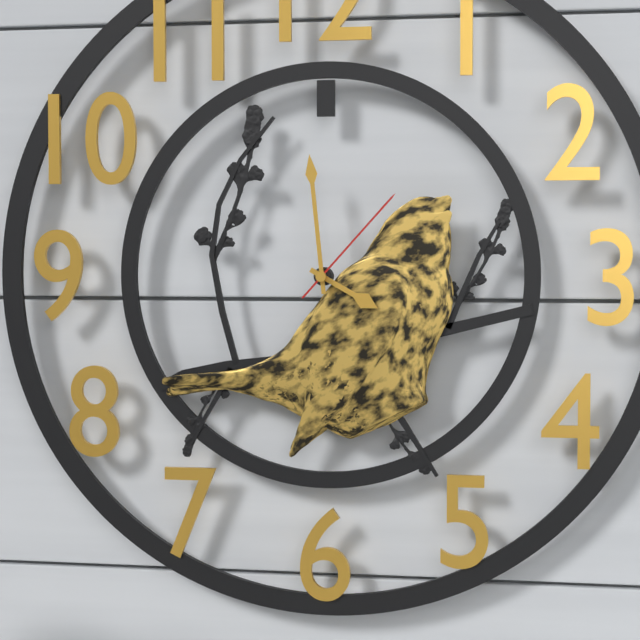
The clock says 3,59,07
